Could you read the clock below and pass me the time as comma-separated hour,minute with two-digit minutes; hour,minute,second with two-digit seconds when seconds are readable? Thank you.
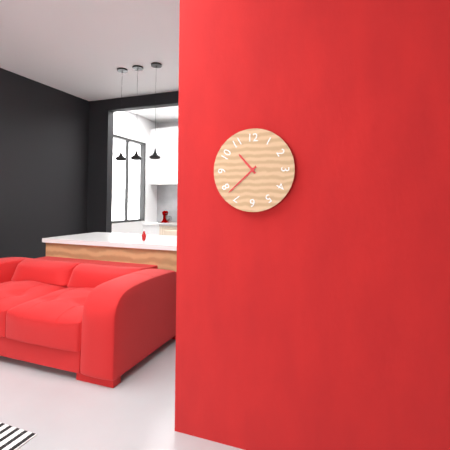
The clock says 10,38
